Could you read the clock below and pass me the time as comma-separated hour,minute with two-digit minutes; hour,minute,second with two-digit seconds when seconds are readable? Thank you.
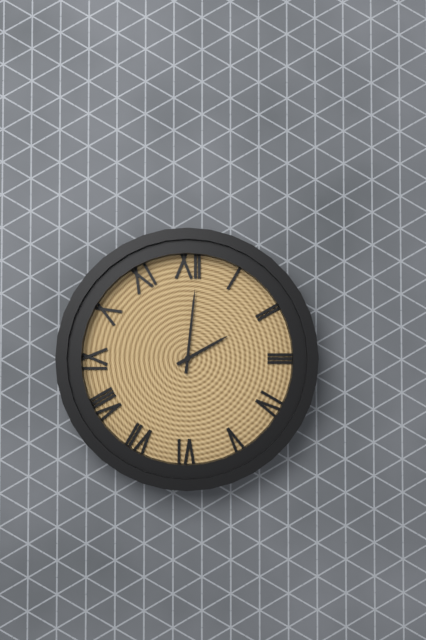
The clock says 2,01
